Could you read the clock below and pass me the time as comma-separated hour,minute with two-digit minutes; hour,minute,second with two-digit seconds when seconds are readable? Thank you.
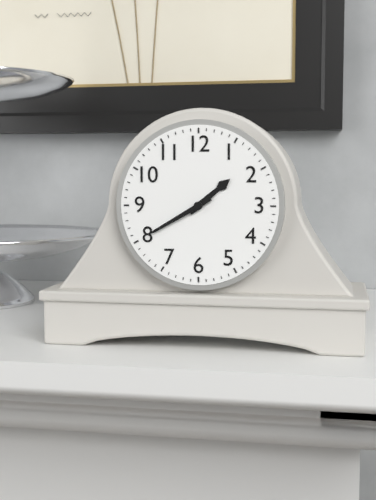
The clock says 1,40
